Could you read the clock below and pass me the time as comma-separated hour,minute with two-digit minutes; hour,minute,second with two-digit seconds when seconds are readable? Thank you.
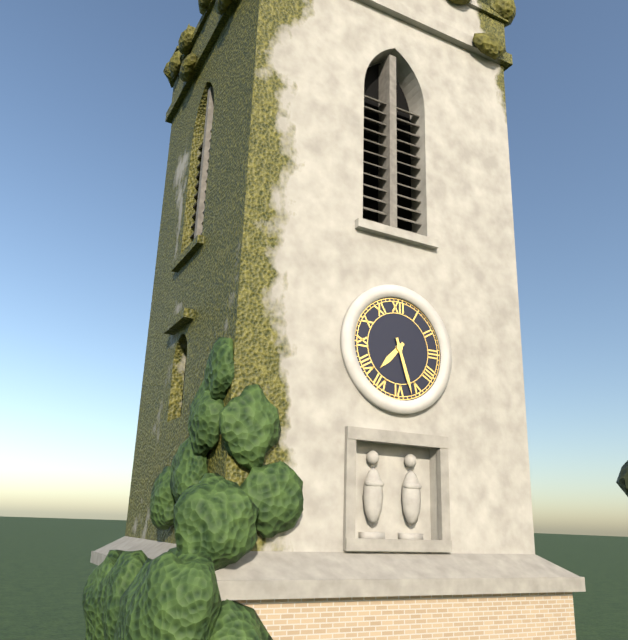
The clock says 7,27
